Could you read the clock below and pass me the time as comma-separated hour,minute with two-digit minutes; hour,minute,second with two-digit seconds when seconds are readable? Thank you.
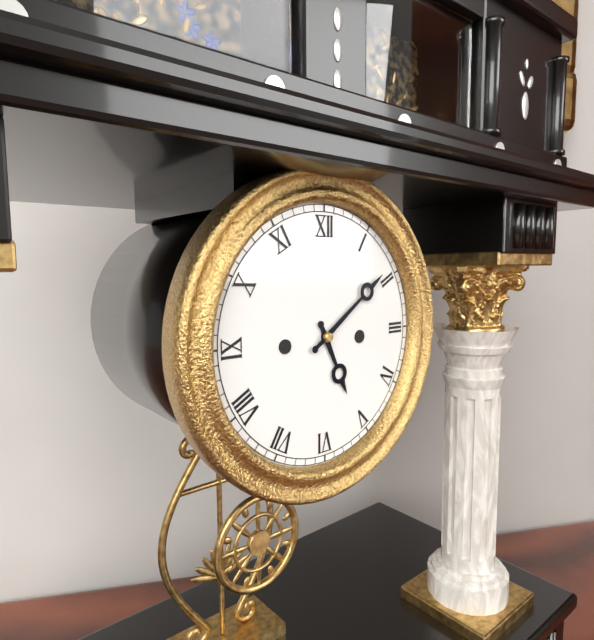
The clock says 5,09
